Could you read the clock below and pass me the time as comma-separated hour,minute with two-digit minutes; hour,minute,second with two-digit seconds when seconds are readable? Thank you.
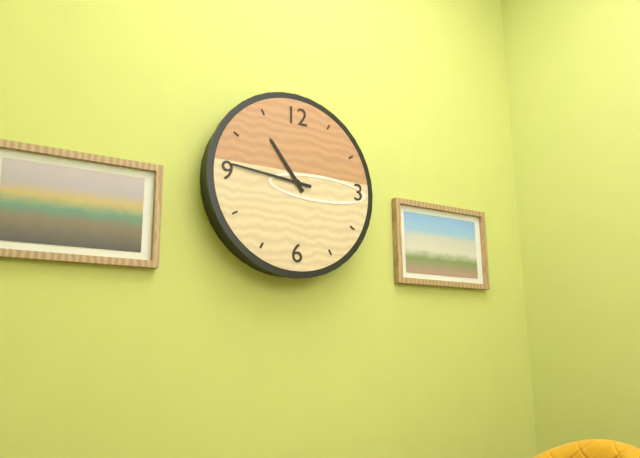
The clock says 10,46
